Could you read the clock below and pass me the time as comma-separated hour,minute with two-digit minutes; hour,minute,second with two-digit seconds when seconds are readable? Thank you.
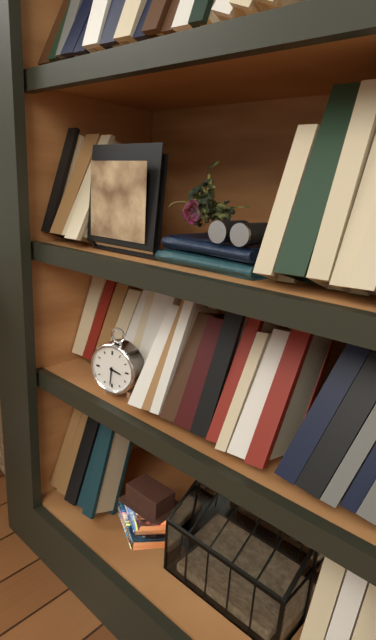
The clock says 3,31
